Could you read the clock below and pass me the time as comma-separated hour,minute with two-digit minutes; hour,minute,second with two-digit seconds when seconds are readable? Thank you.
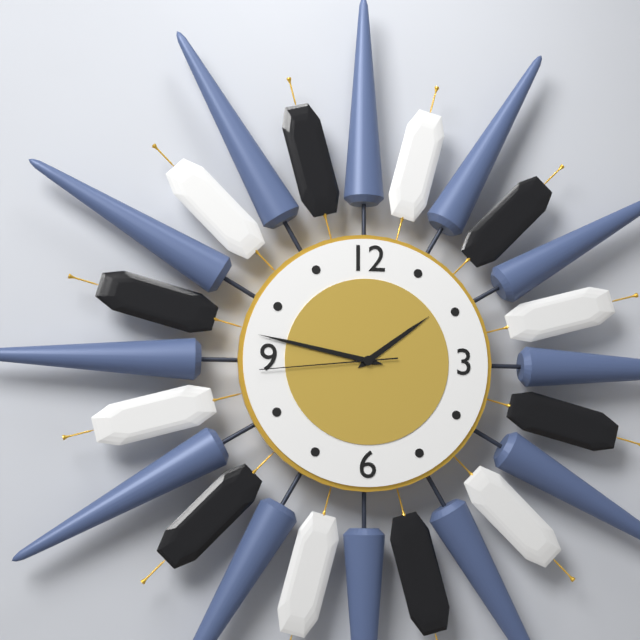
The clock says 1,47,44
